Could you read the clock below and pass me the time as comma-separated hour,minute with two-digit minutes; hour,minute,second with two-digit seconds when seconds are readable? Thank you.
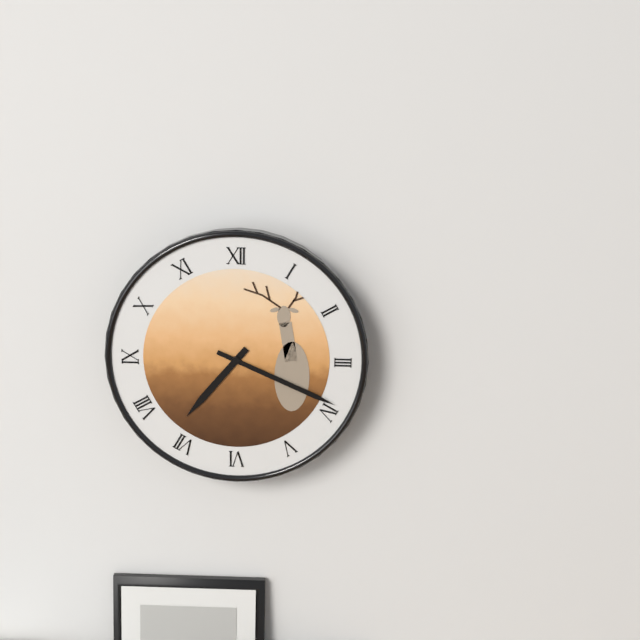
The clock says 7,19
